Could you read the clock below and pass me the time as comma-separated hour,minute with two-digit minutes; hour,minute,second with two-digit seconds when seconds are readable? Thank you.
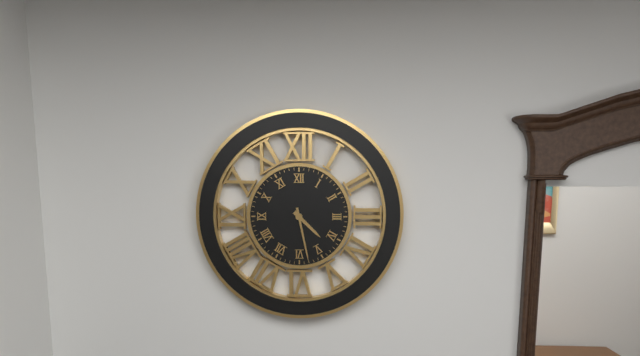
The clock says 4,28
